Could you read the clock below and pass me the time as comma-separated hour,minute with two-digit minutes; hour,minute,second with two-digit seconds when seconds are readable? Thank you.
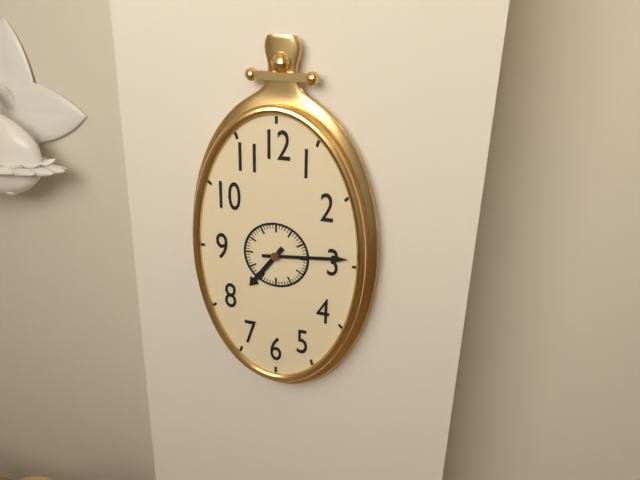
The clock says 7,14
